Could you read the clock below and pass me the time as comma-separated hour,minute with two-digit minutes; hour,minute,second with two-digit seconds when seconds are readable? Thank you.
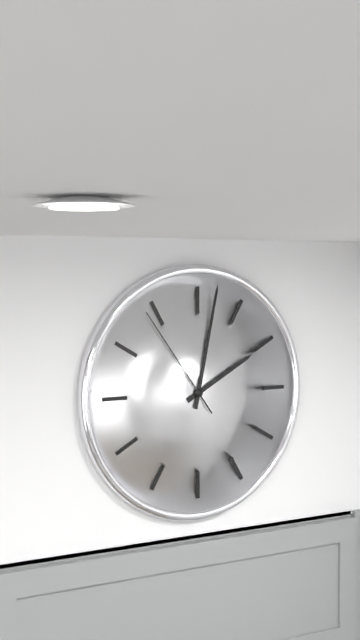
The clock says 2,02,54
